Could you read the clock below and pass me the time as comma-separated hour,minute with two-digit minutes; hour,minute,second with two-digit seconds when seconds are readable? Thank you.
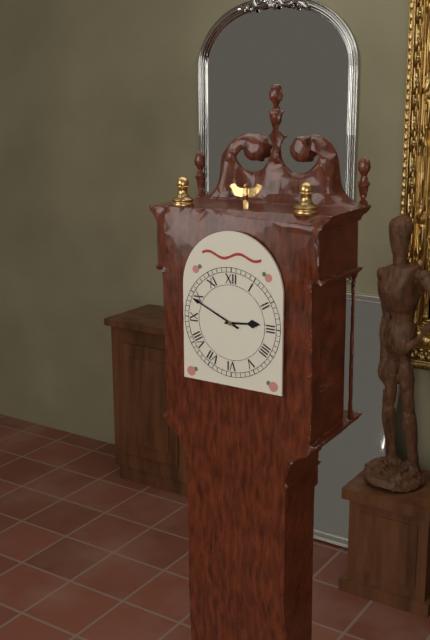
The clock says 2,49
